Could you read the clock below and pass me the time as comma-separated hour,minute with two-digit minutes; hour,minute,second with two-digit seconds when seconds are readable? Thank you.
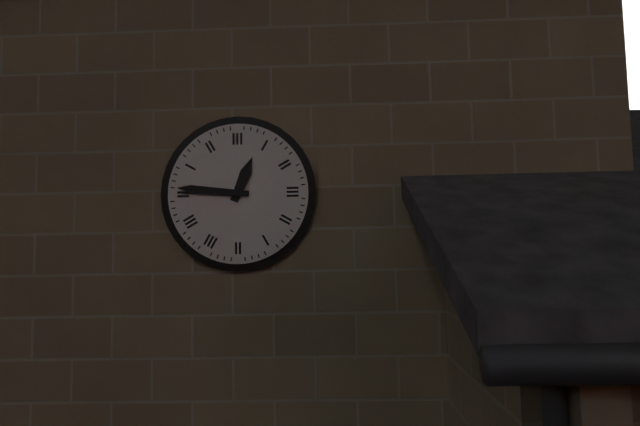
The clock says 12,46
